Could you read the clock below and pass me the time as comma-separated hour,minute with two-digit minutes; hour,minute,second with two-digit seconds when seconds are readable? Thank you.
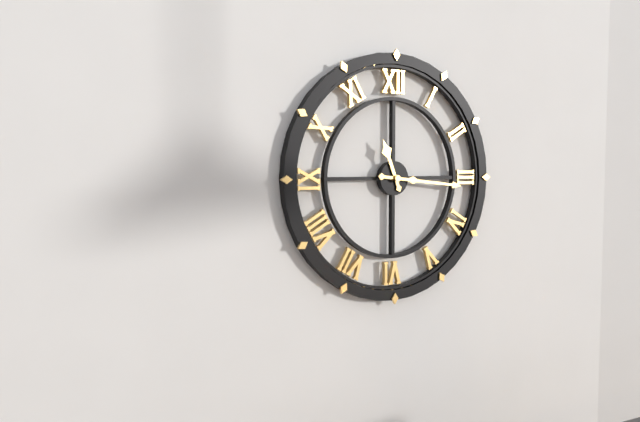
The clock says 11,16
